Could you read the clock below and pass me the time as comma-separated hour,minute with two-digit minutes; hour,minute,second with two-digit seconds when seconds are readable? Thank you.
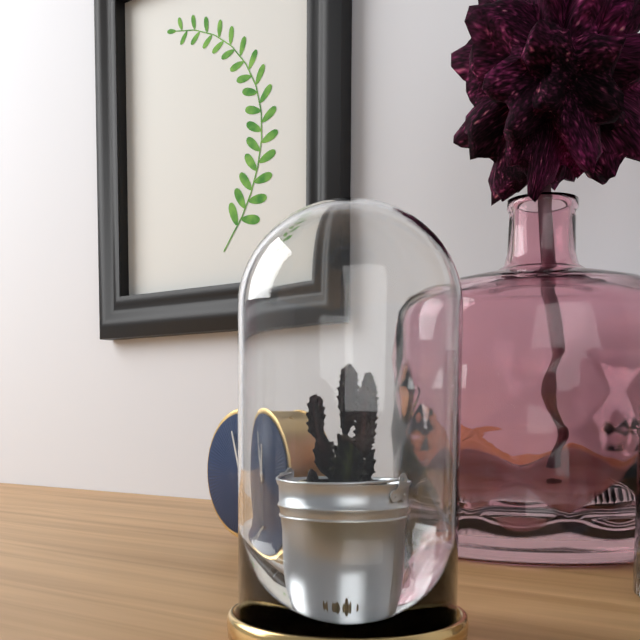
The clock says 11,57
